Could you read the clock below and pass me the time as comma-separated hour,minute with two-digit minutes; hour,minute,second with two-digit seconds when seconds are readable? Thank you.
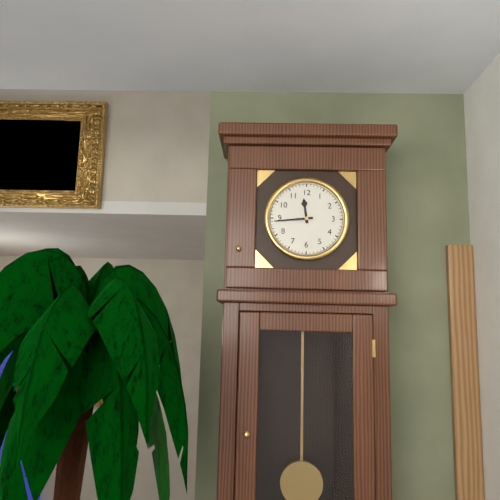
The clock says 11,44
